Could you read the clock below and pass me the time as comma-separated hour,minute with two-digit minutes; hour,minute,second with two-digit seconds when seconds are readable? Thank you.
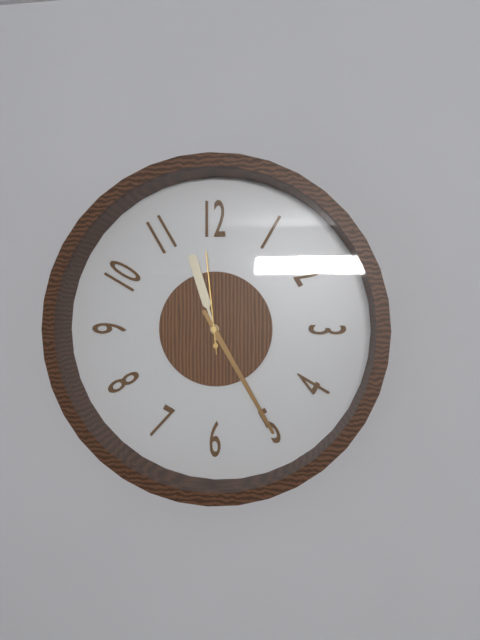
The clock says 11,25,59
